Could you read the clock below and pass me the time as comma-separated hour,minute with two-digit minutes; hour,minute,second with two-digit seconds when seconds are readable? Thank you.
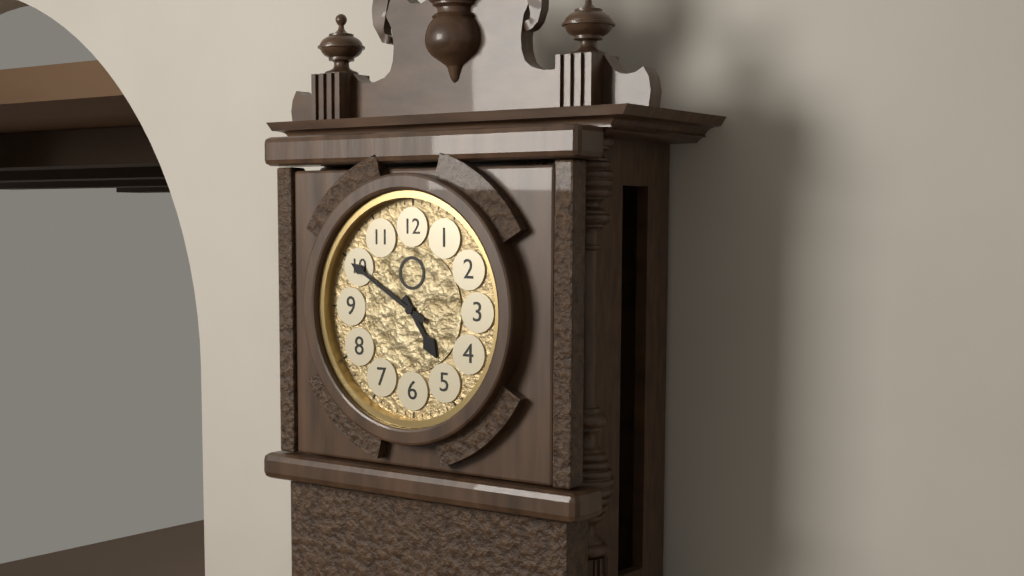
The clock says 4,50
